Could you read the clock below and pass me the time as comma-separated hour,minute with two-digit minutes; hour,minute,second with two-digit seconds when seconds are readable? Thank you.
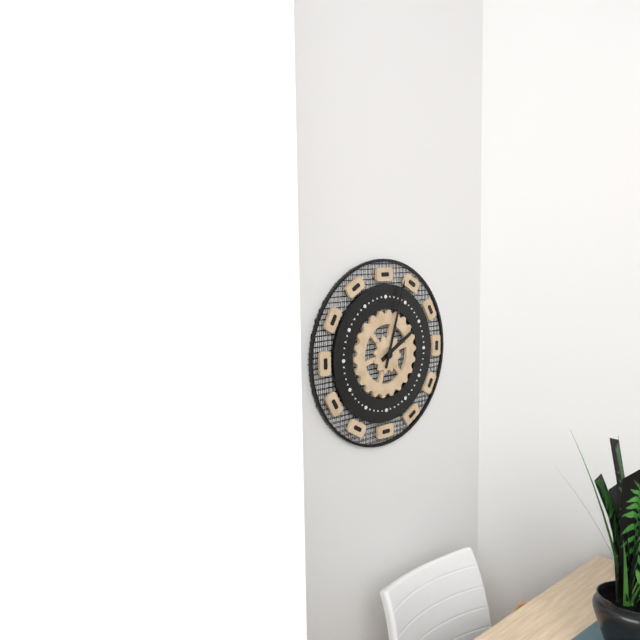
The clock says 2,03
